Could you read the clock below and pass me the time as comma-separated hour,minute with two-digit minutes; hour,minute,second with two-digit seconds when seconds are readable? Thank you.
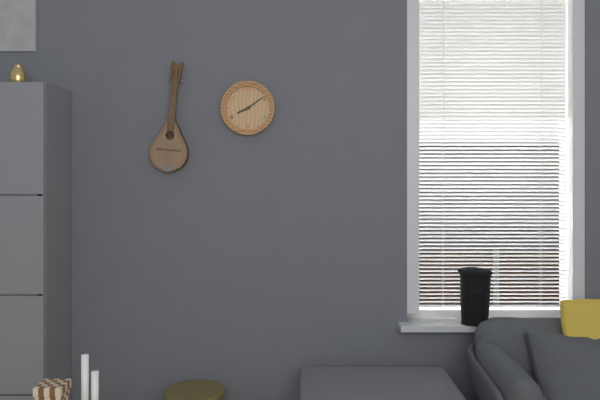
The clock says 8,09
